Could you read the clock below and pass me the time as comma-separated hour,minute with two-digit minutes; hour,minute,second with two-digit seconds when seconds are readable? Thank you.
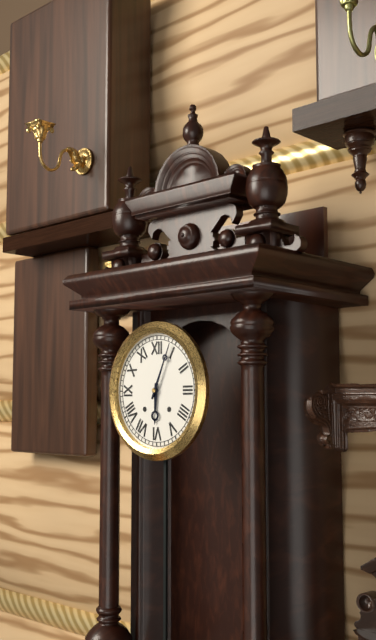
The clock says 6,04
